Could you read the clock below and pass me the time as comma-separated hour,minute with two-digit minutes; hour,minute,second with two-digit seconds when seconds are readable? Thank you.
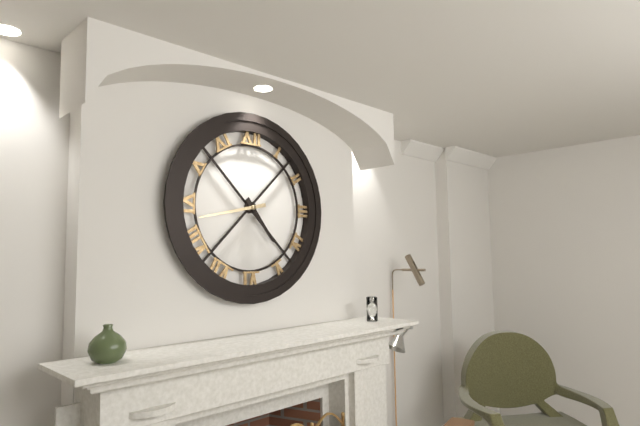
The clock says 4,43
